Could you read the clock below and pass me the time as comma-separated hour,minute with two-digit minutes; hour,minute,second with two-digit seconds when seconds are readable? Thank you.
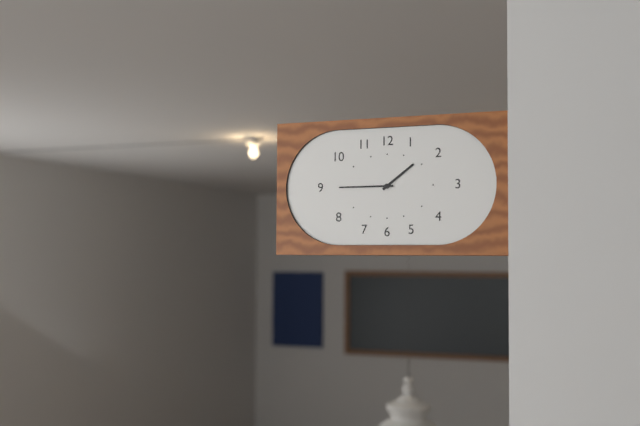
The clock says 1,45
